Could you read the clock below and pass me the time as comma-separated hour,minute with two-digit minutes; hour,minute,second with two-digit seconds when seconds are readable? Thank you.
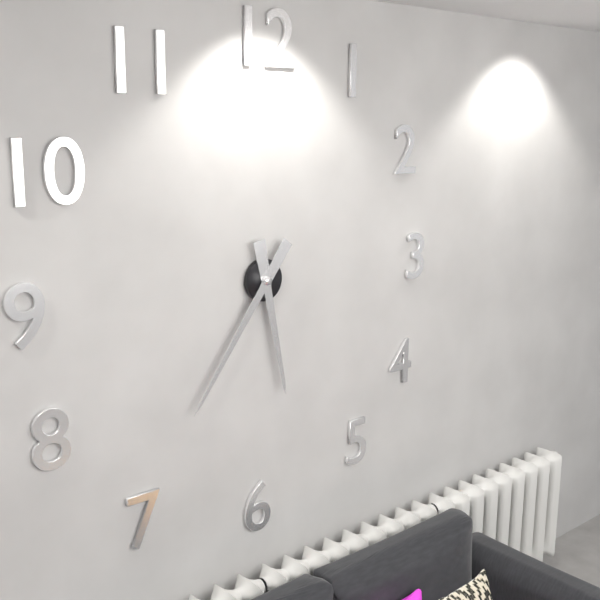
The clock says 5,36
